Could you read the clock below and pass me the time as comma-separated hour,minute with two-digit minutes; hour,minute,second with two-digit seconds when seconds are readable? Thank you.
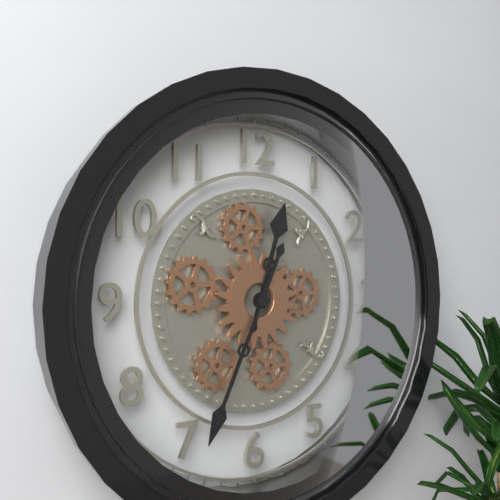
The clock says 12,34
